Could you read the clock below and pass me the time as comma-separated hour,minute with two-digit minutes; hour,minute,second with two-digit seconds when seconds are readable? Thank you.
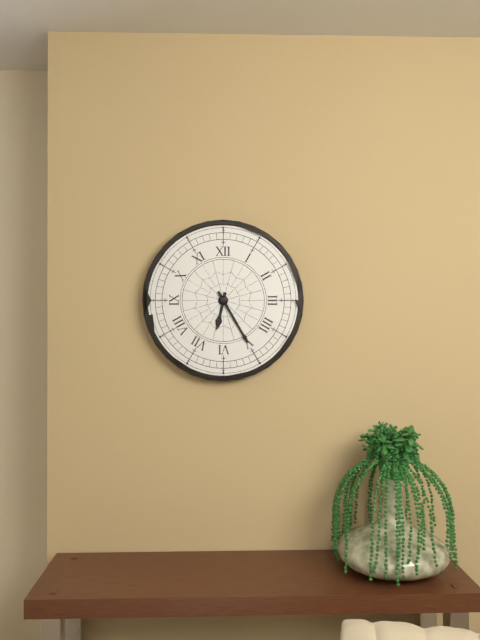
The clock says 6,25
